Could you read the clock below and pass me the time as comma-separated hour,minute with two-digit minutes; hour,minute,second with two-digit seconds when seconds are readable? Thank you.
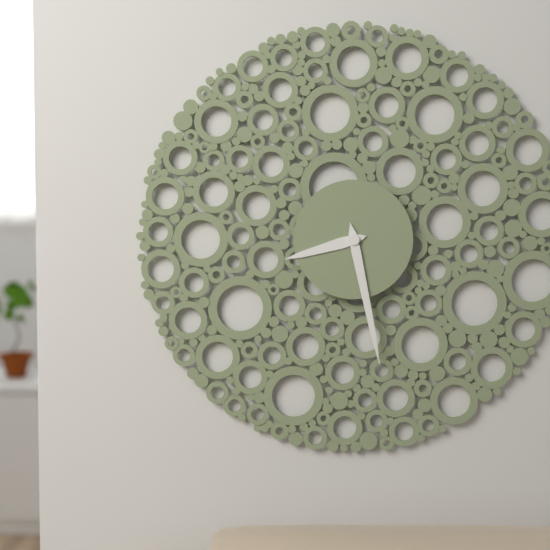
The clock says 8,28
